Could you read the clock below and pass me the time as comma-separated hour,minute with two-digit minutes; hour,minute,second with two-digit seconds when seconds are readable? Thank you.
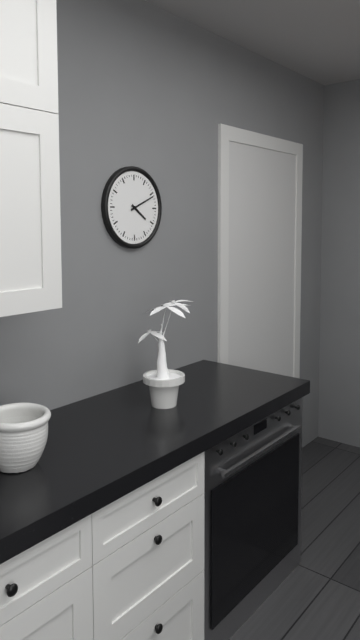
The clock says 4,11
